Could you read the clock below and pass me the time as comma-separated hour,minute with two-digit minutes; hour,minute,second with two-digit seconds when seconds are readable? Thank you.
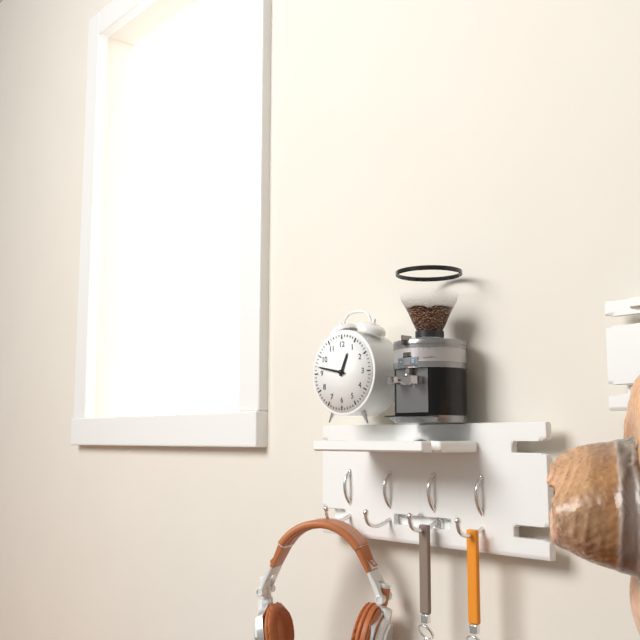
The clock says 12,47
